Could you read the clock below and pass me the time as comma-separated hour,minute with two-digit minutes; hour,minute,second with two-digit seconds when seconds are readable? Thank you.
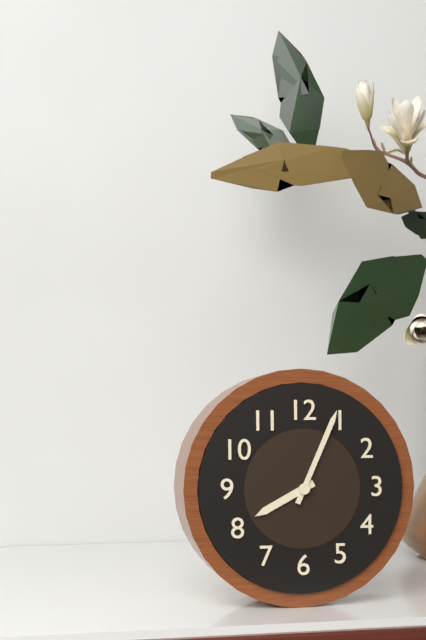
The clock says 8,04
